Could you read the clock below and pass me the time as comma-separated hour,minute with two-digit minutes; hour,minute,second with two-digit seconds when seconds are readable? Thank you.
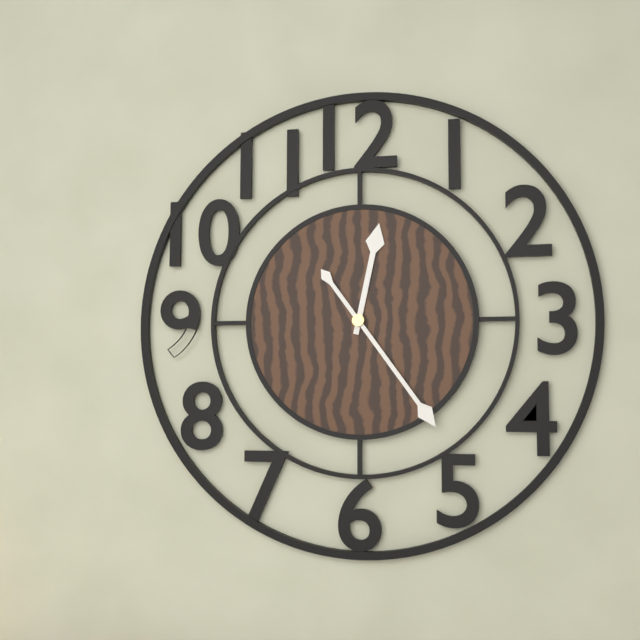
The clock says 12,24
